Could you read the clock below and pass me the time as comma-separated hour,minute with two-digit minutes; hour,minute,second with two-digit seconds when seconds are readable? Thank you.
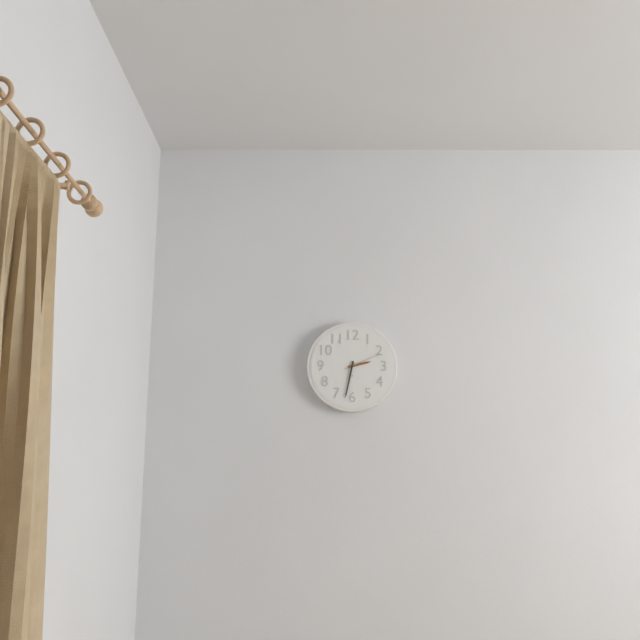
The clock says 2,32
